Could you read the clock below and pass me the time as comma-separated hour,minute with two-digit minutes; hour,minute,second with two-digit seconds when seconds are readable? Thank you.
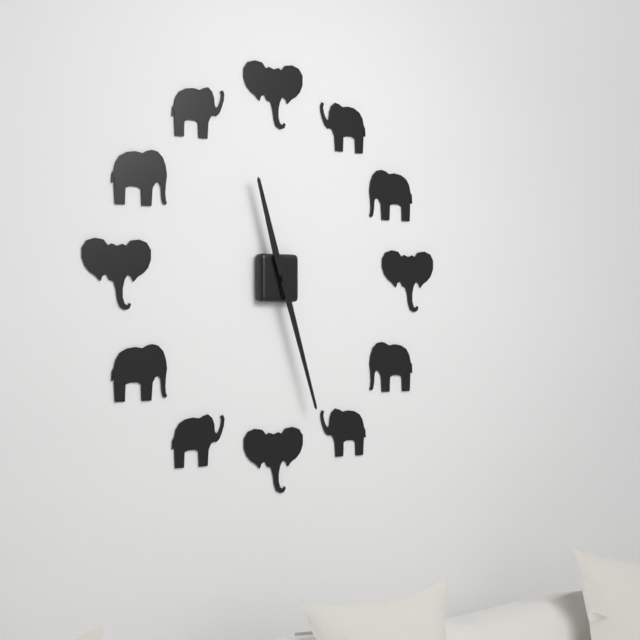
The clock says 11,27
